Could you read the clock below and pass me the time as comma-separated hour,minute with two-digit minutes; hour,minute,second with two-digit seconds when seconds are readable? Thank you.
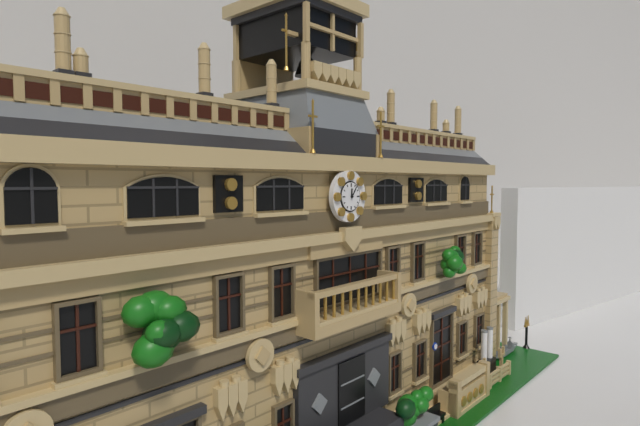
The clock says 12,06
